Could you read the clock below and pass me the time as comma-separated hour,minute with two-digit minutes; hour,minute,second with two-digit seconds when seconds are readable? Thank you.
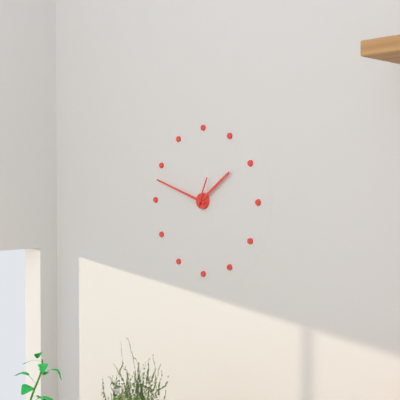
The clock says 1,48
